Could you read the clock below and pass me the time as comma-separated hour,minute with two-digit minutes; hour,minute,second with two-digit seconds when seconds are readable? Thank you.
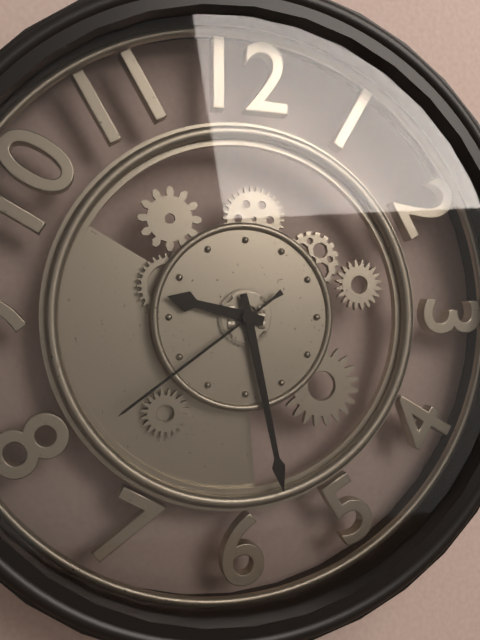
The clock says 9,28,39
